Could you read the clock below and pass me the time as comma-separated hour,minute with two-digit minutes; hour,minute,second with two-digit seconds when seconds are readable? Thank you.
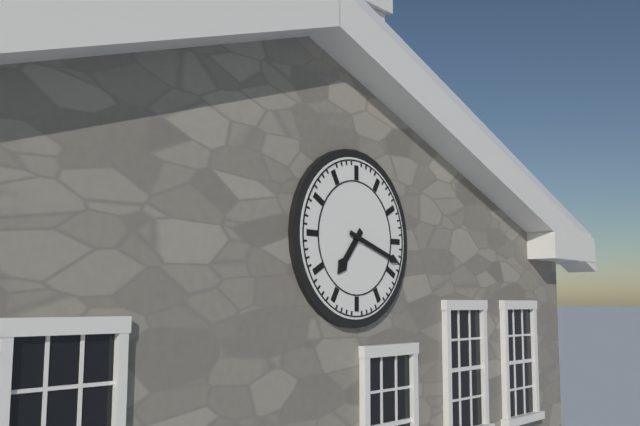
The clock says 7,18
